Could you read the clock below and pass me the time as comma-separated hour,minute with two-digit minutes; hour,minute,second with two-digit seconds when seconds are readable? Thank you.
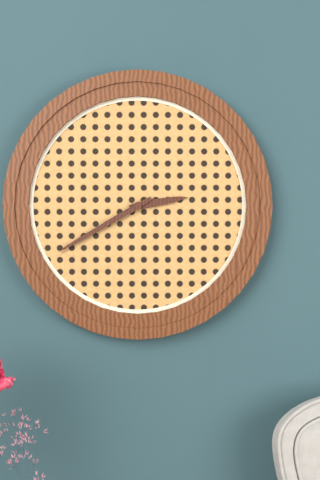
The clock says 2,40
